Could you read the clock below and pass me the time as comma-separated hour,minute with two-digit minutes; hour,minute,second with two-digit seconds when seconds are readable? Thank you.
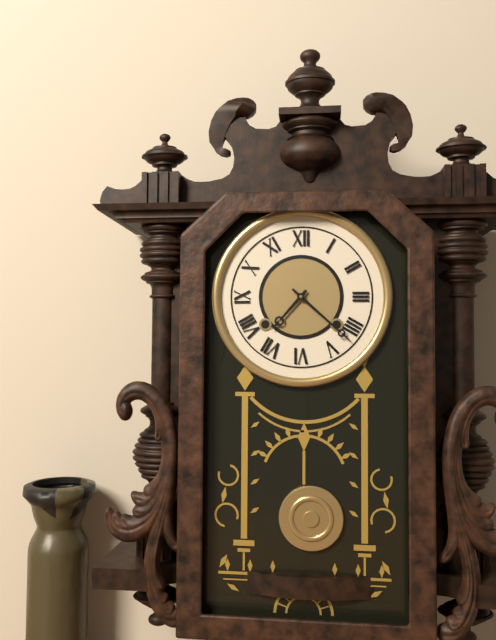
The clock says 7,22
